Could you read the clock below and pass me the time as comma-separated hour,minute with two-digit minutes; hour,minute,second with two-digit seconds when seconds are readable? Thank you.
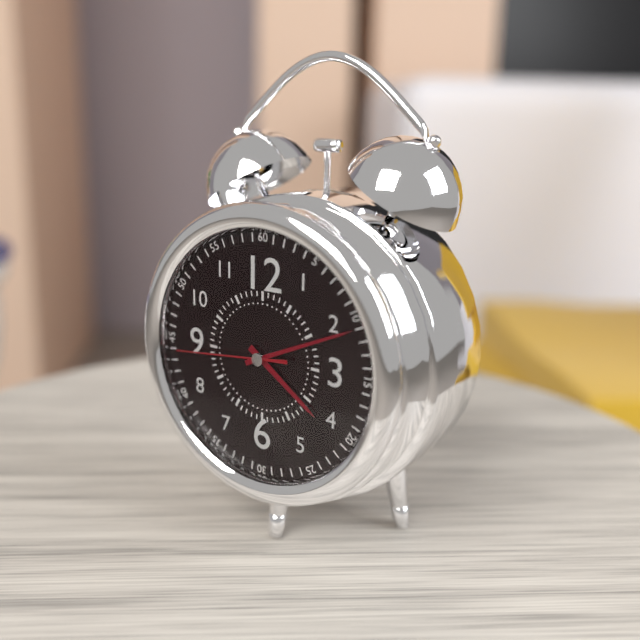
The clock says 4,11,44
